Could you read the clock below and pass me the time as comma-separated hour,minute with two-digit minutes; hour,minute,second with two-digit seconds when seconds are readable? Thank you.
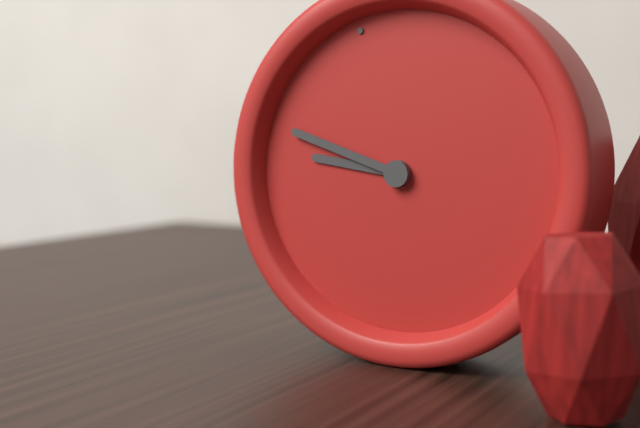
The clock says 9,51
